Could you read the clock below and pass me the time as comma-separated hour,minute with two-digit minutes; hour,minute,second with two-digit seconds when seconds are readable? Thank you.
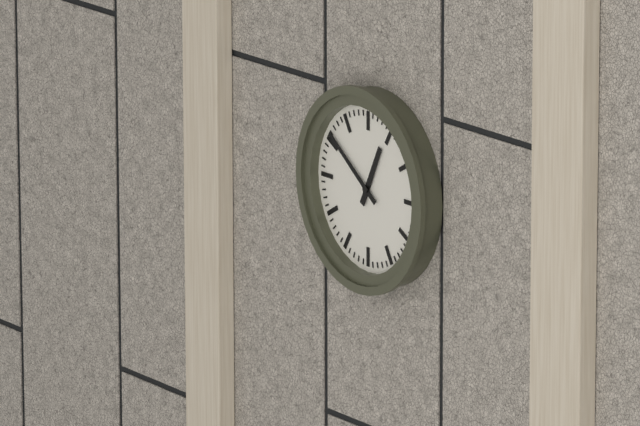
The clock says 12,51
